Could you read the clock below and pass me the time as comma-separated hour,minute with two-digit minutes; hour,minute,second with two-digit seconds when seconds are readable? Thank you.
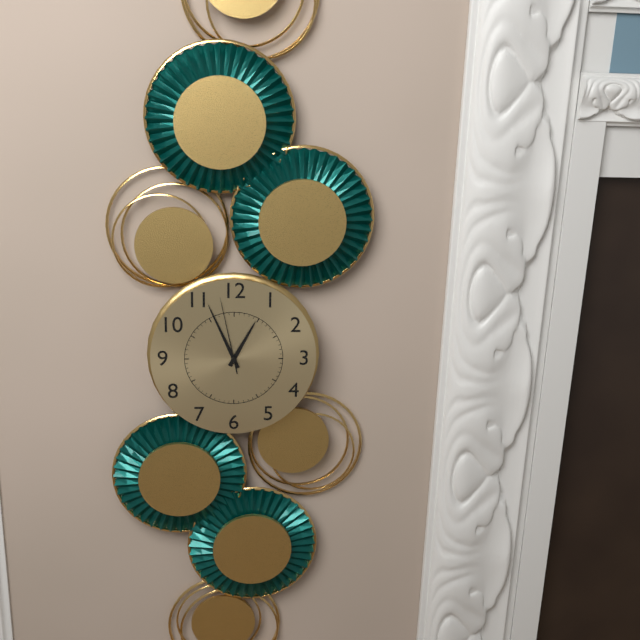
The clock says 12,56,58
